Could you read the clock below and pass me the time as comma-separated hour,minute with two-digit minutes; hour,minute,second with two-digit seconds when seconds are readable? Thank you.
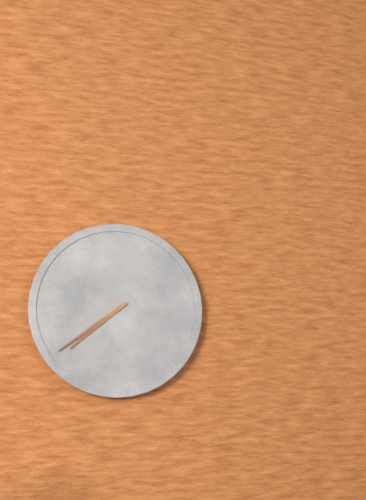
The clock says 7,39
